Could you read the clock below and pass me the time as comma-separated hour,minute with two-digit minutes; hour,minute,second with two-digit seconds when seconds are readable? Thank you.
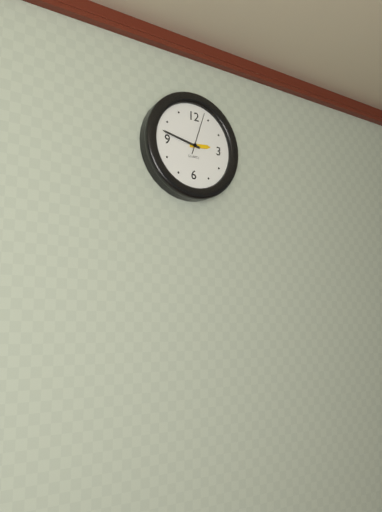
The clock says 2,47
